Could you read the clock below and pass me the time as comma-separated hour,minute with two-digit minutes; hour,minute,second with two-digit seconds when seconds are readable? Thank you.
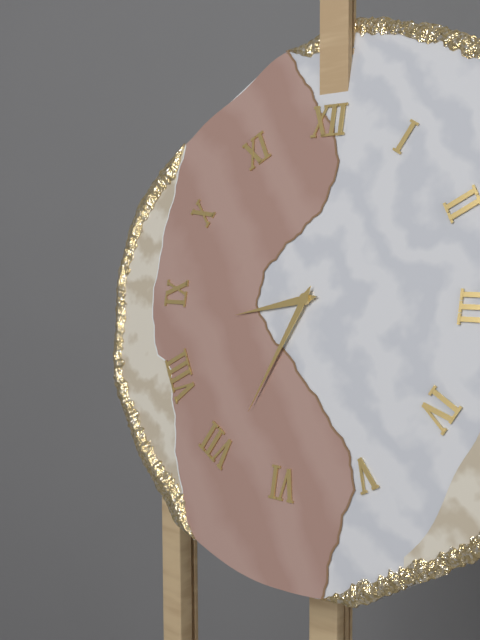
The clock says 8,34
